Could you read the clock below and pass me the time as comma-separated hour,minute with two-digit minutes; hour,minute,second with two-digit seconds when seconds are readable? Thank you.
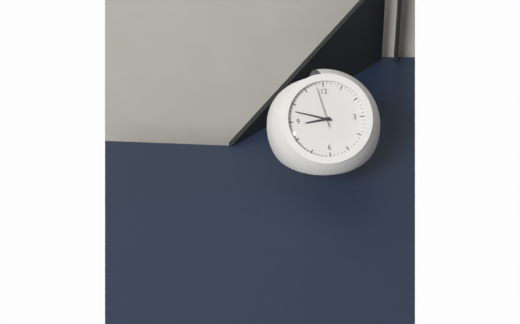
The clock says 8,48
